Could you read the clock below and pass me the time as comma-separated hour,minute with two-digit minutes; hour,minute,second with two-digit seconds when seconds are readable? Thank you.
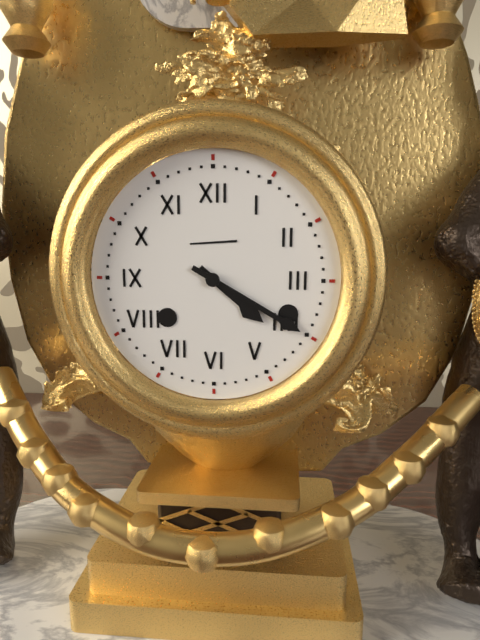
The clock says 4,20
